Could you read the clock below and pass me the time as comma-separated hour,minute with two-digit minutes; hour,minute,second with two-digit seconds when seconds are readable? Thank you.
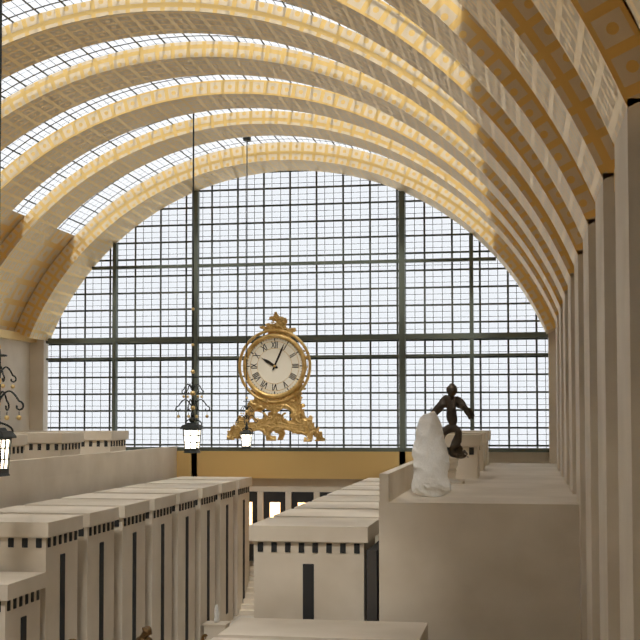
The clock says 10,04
